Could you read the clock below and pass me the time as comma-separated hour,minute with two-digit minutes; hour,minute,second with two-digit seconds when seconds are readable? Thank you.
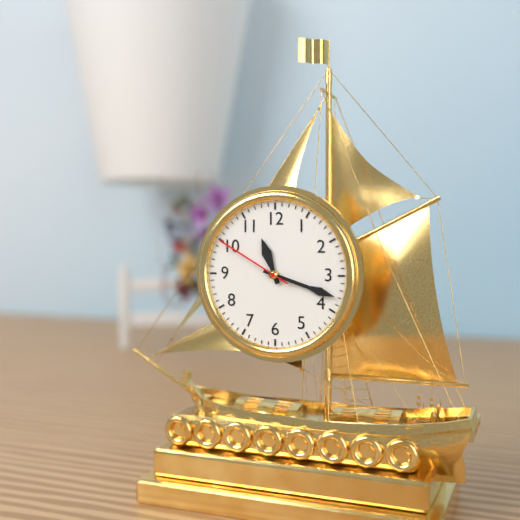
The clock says 11,18,50
